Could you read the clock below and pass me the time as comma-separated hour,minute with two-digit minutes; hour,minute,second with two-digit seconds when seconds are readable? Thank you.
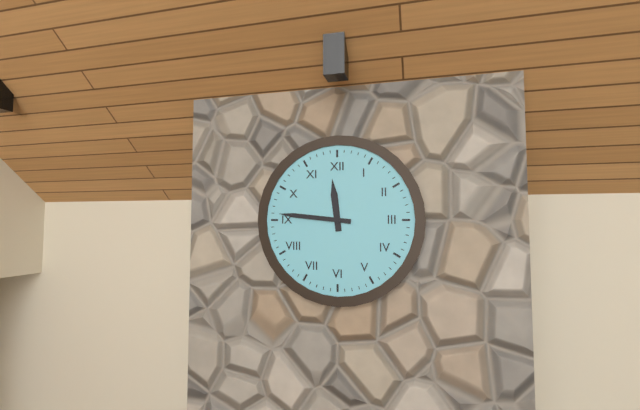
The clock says 11,46
